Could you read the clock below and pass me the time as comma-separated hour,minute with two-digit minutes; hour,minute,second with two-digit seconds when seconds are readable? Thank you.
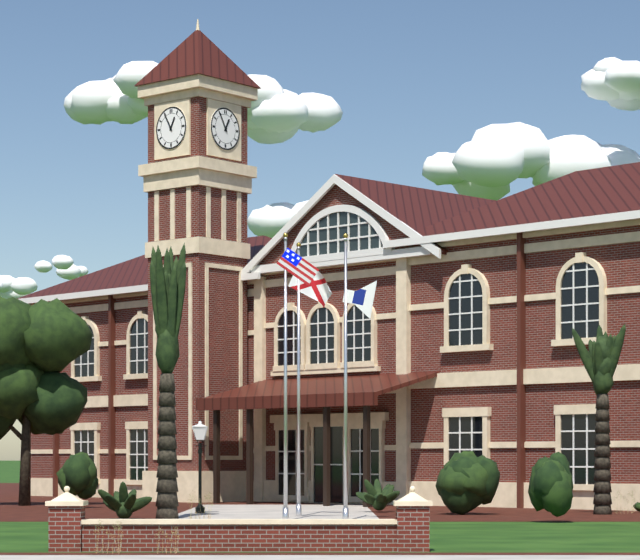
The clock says 12,55
